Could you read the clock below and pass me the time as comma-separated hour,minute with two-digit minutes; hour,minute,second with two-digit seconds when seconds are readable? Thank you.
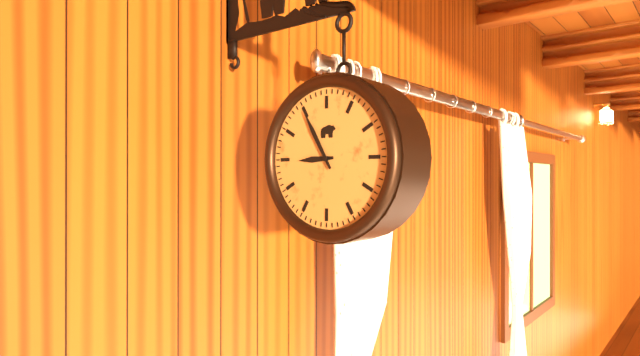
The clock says 8,55
